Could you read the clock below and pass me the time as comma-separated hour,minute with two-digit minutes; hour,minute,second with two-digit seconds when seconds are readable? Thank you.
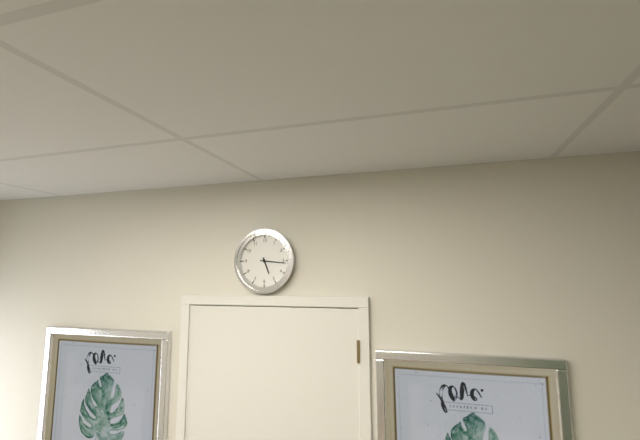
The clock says 5,16
